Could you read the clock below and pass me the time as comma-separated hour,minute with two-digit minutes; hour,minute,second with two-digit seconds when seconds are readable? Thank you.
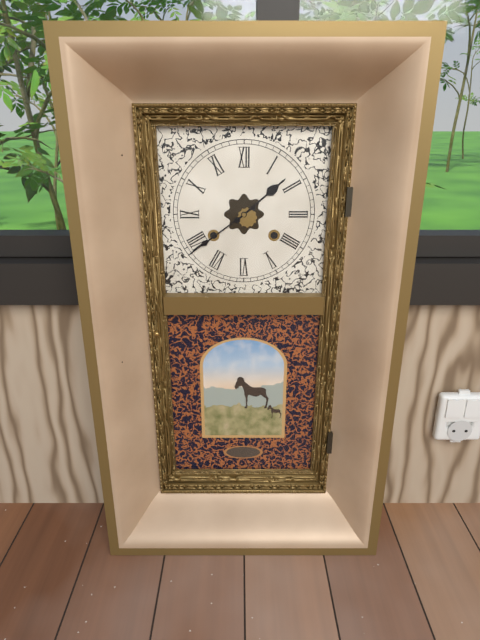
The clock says 1,39
